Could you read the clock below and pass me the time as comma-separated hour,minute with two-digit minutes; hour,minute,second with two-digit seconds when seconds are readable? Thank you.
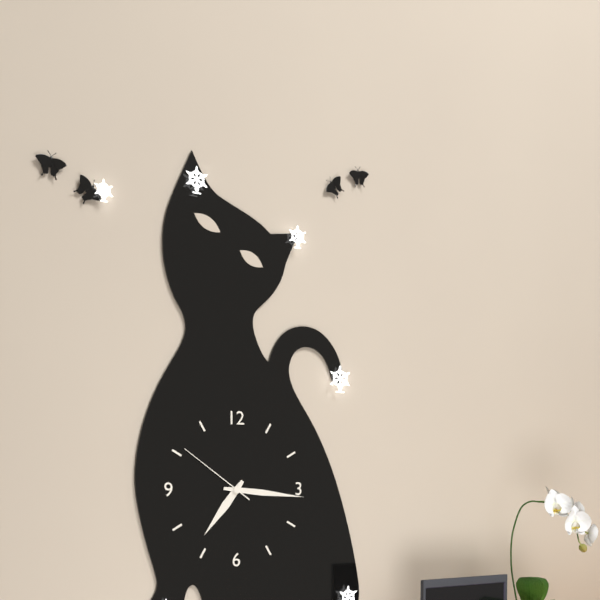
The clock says 7,16,51
